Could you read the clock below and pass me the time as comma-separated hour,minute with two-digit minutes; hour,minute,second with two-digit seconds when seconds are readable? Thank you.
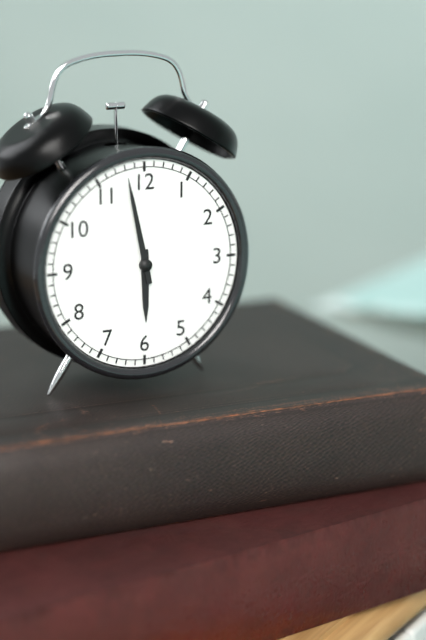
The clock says 5,58
